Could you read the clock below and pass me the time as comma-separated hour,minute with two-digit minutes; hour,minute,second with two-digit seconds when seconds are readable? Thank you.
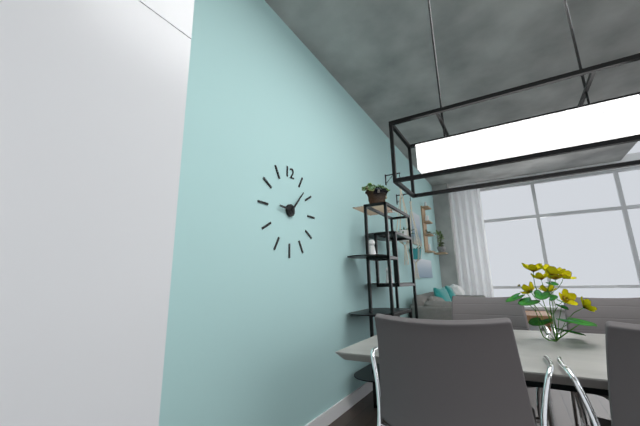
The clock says 9,07
